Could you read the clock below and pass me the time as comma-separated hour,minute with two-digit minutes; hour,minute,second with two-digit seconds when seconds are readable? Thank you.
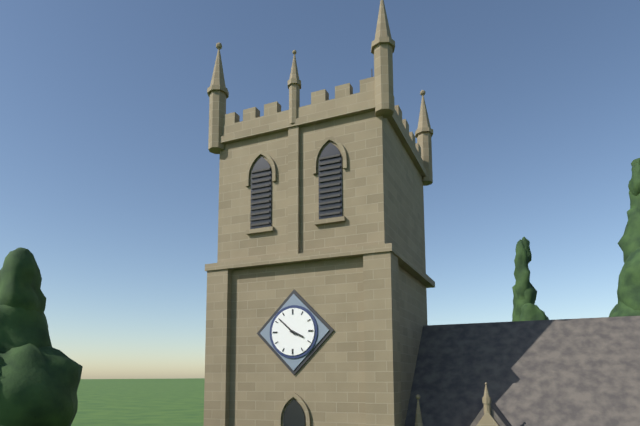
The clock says 3,52
